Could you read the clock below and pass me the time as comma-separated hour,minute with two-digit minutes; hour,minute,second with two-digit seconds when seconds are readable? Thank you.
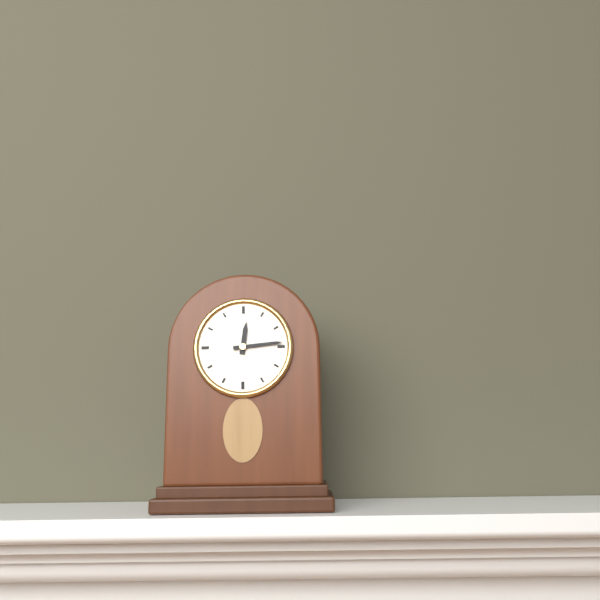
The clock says 12,14
